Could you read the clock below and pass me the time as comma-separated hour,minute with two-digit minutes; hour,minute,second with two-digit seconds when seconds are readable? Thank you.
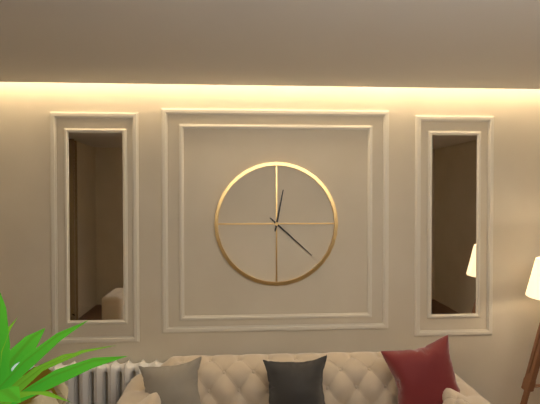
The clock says 12,22
